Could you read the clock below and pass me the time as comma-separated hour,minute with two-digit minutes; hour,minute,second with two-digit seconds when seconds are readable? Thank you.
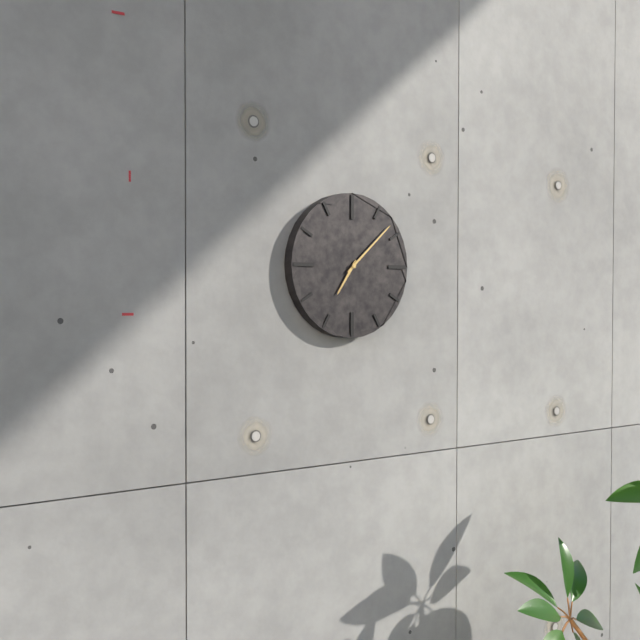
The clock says 7,08
